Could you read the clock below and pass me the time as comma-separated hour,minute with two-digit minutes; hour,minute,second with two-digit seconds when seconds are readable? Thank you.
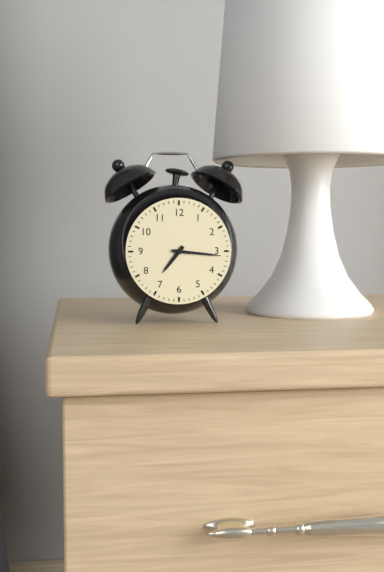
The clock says 7,16
